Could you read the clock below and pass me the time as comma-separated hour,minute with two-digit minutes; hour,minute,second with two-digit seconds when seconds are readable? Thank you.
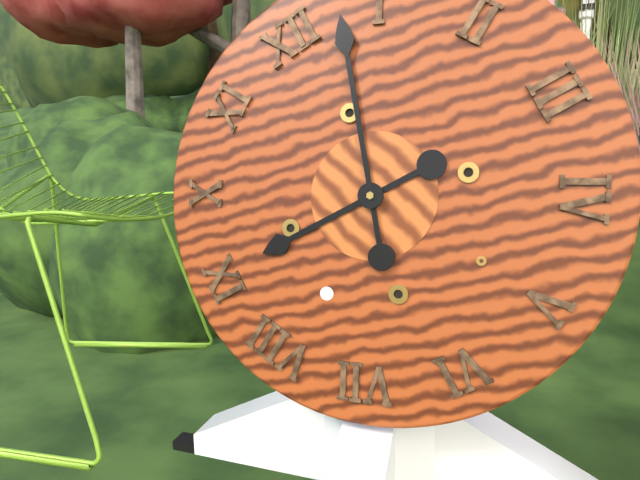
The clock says 9,03
